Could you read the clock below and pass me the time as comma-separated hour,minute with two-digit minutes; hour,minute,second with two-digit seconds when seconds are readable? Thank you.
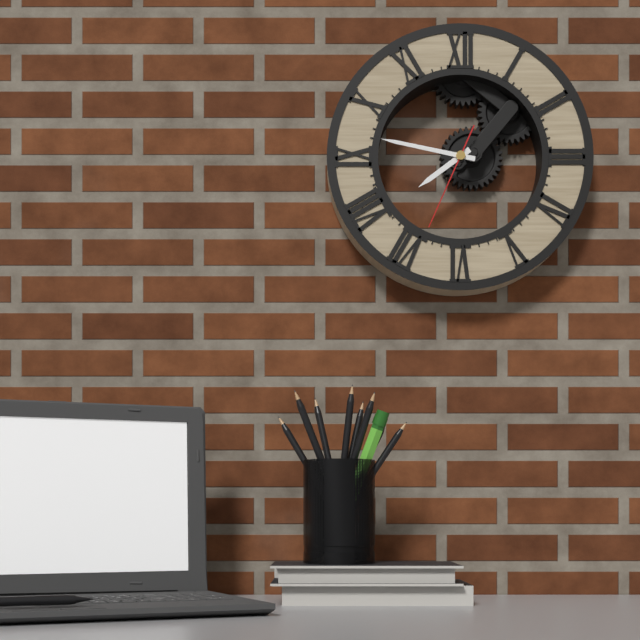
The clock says 7,47,34
